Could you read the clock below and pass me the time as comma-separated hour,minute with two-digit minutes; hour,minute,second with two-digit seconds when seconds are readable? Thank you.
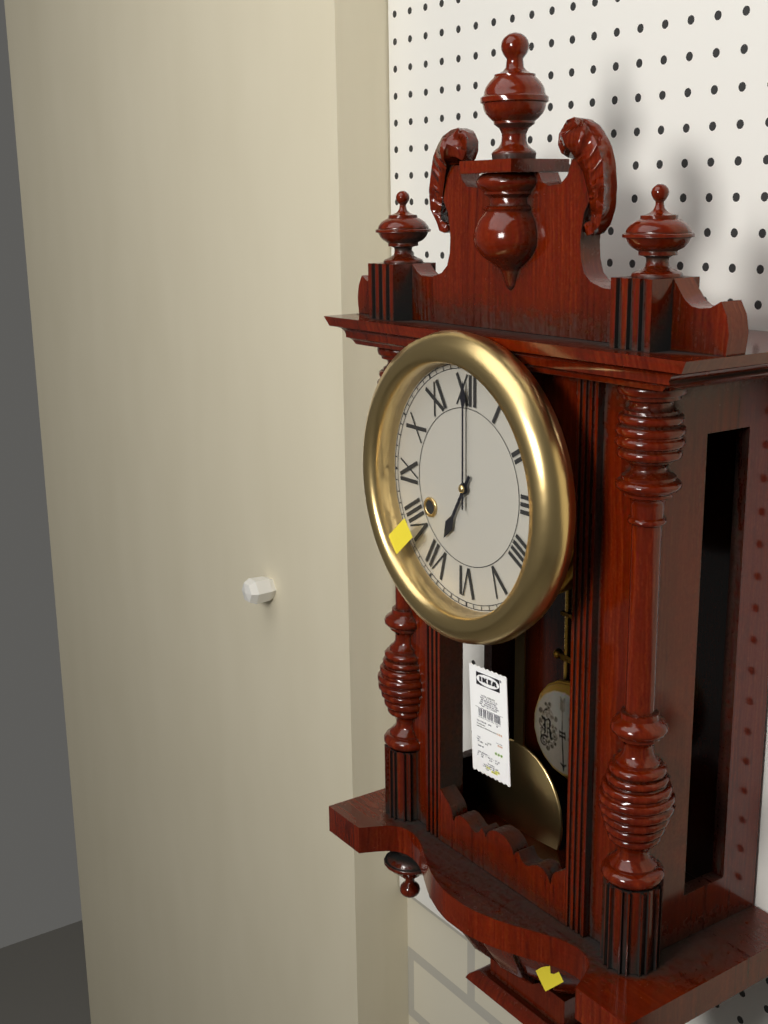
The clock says 7,00
